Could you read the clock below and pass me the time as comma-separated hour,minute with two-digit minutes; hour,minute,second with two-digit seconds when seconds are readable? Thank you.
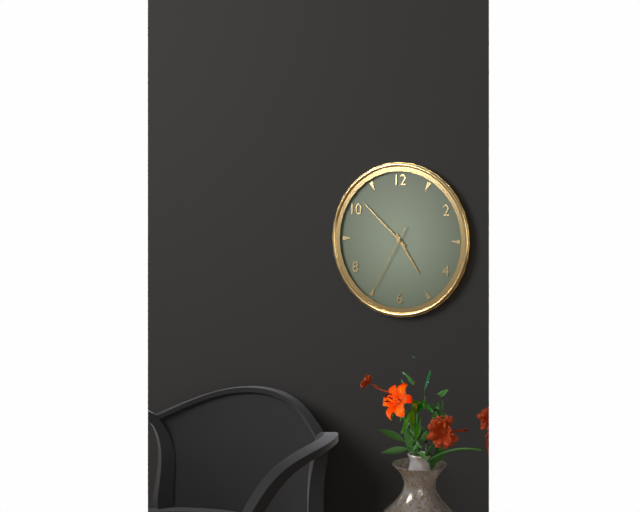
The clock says 4,52,35
